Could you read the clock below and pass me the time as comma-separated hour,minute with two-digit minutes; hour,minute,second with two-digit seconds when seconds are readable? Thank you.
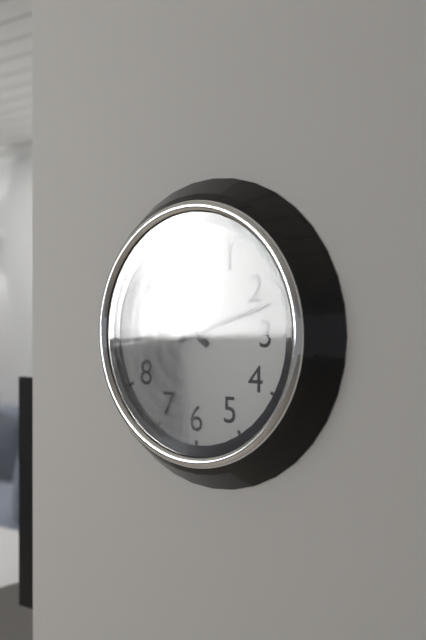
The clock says 10,12
